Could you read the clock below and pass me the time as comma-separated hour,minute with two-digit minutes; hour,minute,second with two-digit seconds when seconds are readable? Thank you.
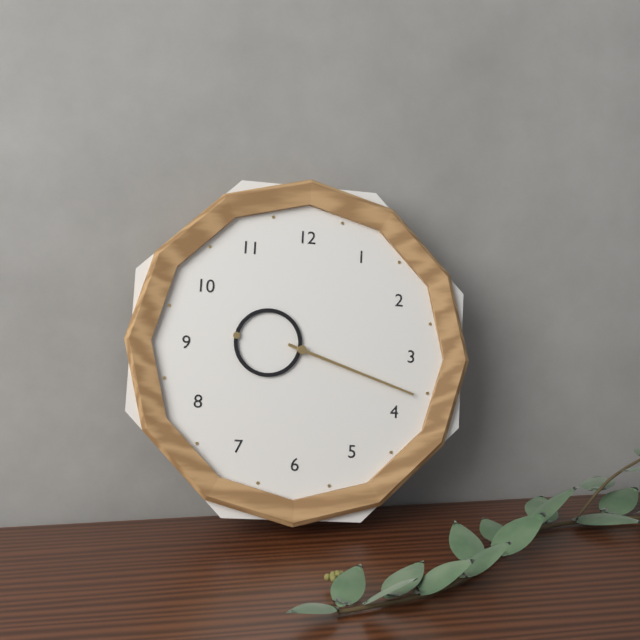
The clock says 9,18
